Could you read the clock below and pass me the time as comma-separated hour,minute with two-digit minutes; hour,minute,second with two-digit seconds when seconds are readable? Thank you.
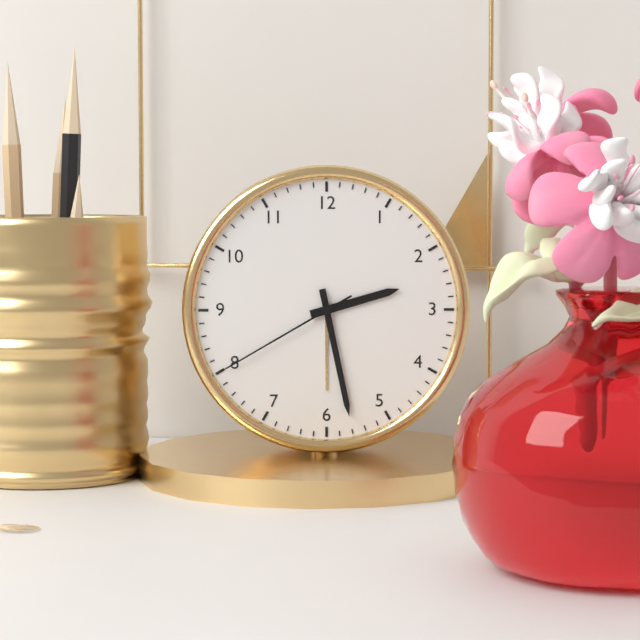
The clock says 2,28,40
